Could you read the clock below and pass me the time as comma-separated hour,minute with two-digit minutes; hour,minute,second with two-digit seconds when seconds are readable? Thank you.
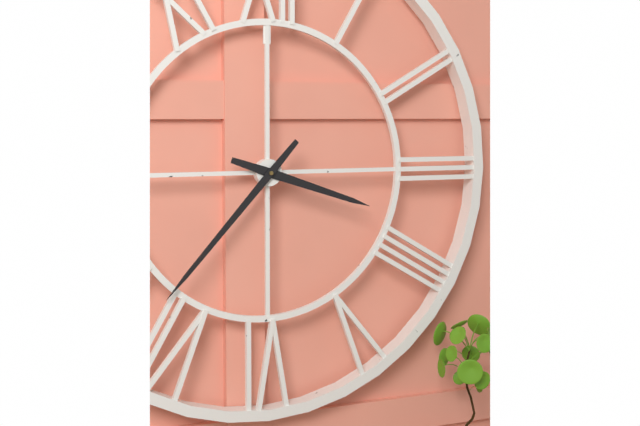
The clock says 3,37
